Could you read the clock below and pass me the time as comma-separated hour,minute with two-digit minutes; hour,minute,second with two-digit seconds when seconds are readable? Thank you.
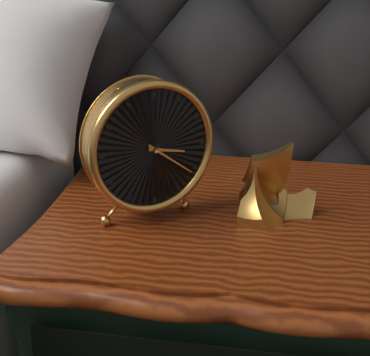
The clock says 3,21
